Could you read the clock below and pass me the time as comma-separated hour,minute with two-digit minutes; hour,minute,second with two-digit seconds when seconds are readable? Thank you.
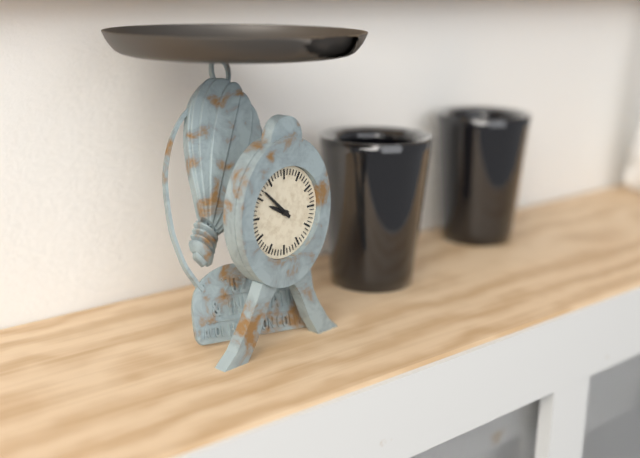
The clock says 9,52
